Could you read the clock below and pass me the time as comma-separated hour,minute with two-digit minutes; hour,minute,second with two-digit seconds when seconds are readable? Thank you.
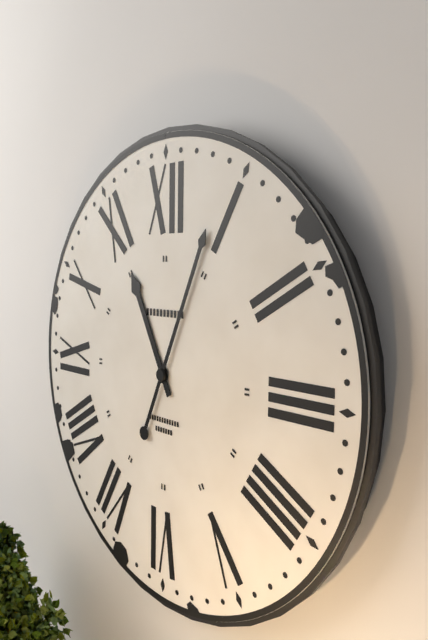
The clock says 11,04
